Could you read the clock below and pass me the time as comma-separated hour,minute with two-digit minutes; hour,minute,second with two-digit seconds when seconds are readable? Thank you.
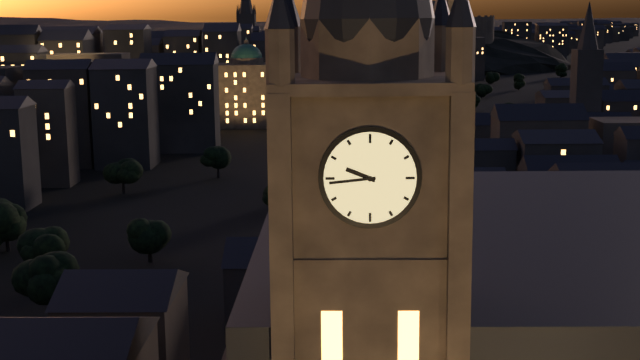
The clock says 9,44
